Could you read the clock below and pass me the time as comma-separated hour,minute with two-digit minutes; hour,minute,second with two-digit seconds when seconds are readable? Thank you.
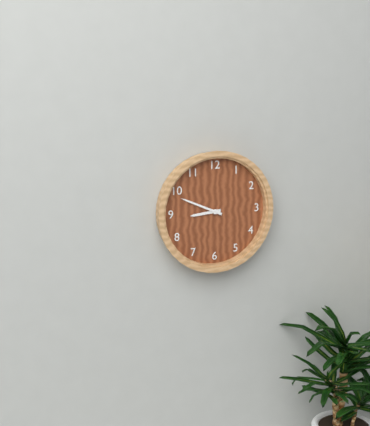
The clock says 8,49
